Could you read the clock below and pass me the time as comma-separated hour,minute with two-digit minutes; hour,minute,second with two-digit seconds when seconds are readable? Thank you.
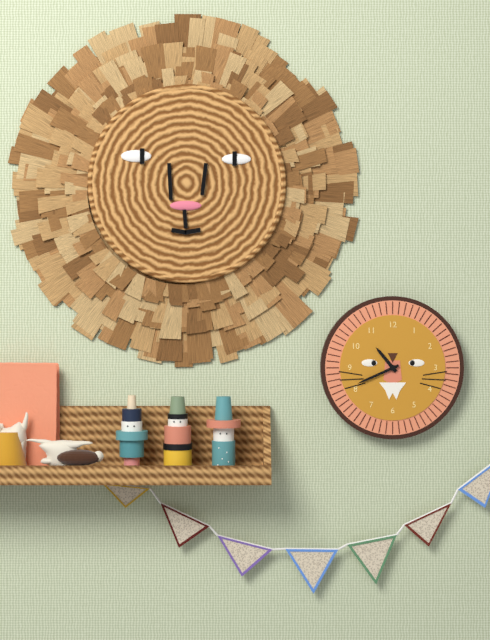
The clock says 10,41
